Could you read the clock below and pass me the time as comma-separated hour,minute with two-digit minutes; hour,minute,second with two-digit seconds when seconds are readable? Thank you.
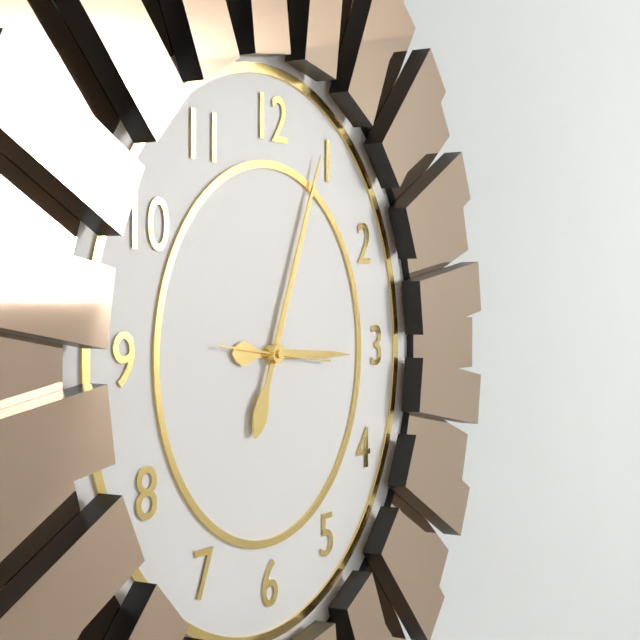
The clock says 3,04,16
